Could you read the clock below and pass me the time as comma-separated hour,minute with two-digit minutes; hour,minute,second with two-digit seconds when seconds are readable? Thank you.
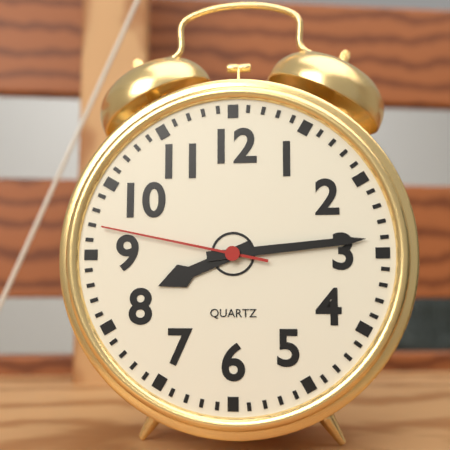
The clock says 8,14,47
